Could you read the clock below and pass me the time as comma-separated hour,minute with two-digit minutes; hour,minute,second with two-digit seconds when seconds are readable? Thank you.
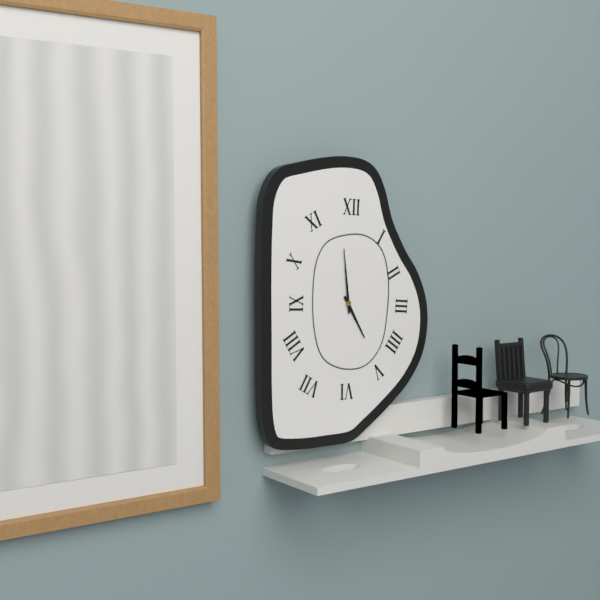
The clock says 4,59
